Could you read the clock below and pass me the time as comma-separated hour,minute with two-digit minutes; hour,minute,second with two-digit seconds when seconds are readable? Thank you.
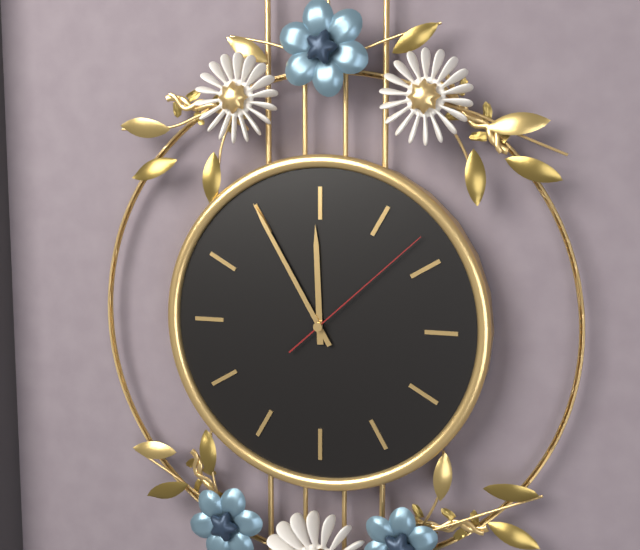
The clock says 11,55,08
